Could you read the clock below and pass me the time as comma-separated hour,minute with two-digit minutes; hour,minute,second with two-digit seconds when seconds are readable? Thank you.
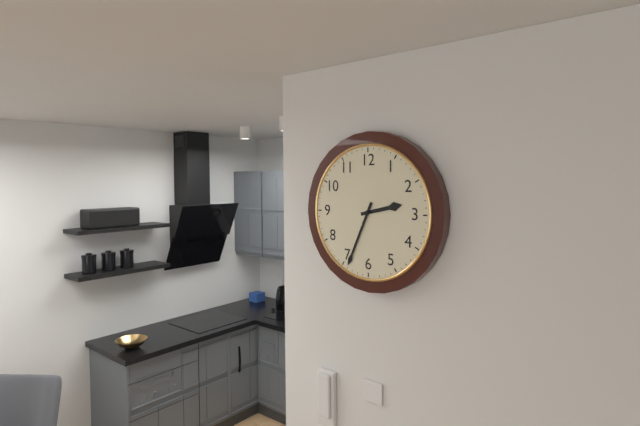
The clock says 2,34
